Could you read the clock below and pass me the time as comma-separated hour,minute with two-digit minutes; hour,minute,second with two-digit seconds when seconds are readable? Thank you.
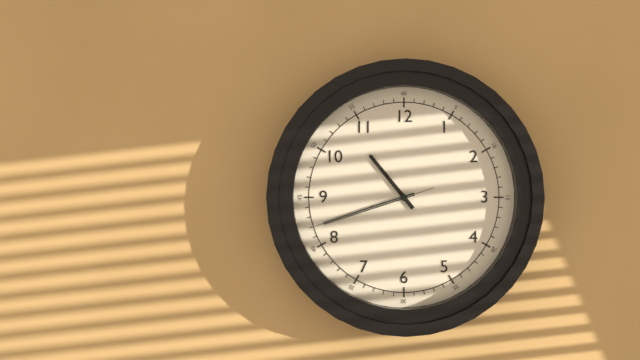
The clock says 10,42,42
